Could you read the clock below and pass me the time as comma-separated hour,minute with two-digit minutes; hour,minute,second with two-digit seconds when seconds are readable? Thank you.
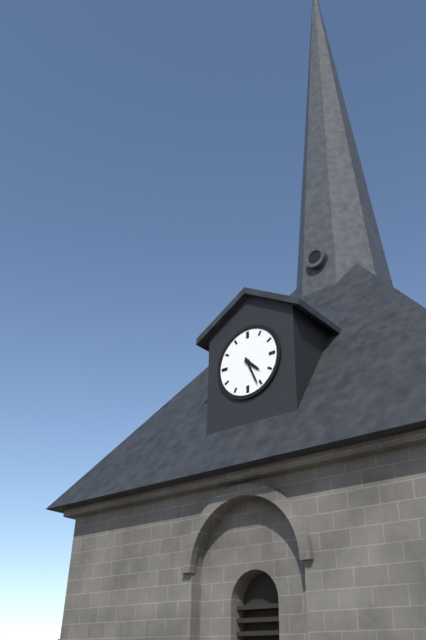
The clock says 4,26
